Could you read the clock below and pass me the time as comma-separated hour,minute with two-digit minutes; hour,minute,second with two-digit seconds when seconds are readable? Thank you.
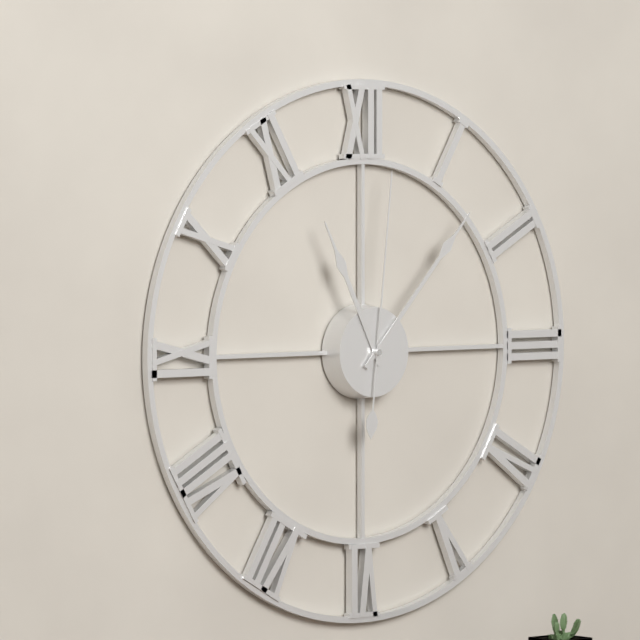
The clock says 11,07,01
